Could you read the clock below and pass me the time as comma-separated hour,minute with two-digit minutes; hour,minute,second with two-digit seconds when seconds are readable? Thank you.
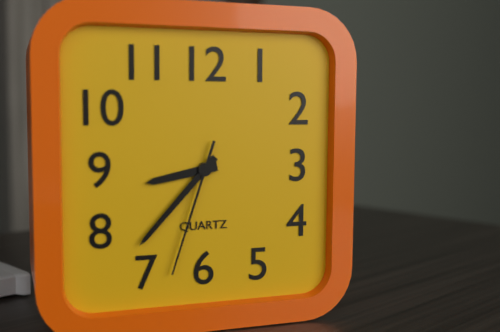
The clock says 8,37,33
